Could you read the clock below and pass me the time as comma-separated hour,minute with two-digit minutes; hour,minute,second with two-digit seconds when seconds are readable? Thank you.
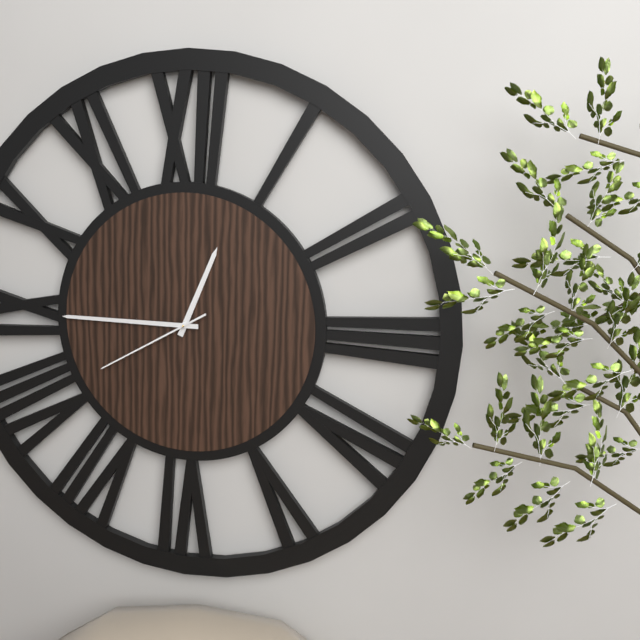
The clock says 12,45,40
